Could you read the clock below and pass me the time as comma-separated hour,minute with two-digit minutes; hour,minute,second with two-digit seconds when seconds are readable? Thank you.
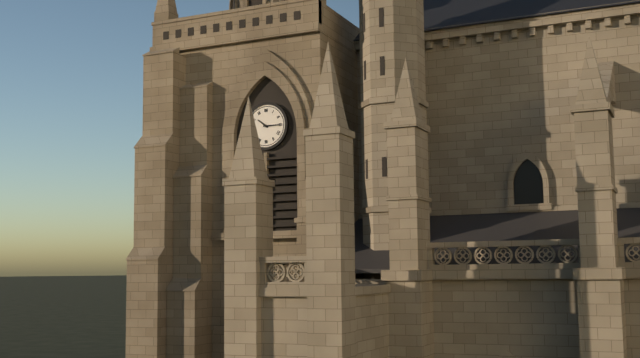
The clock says 10,15
